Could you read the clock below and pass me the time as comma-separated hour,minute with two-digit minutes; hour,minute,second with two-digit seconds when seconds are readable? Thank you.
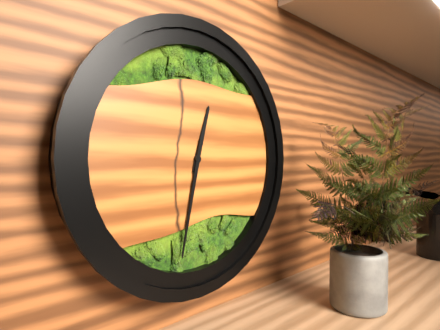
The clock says 12,32
